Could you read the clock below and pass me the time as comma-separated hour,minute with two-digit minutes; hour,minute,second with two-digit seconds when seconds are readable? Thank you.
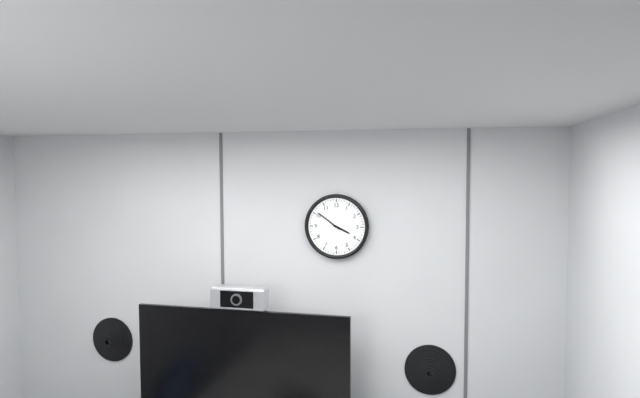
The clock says 3,51
